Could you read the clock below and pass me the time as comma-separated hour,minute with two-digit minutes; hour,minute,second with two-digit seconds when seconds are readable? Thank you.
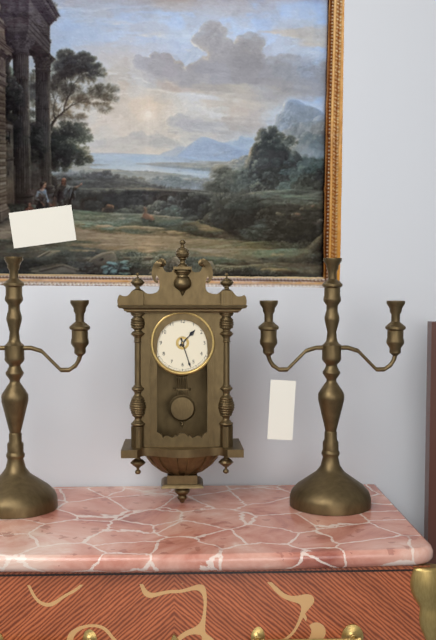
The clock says 1,27
